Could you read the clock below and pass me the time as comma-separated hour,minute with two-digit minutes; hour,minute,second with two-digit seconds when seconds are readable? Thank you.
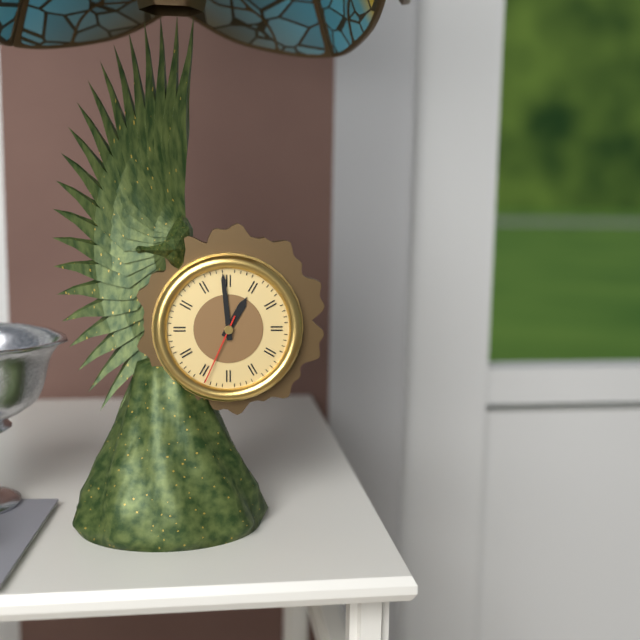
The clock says 12,59,34
